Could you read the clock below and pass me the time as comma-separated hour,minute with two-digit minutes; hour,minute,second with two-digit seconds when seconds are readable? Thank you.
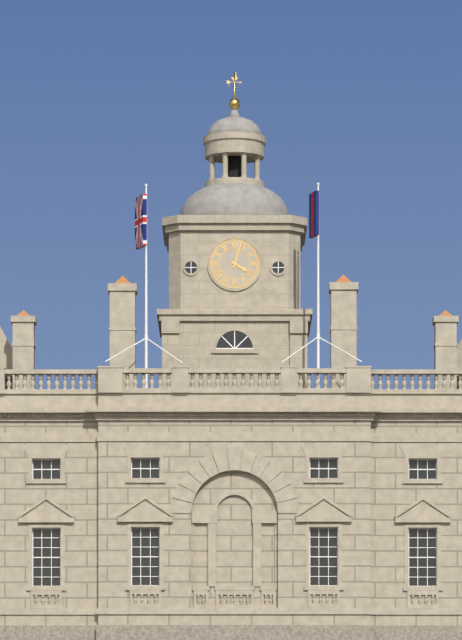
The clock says 4,03
